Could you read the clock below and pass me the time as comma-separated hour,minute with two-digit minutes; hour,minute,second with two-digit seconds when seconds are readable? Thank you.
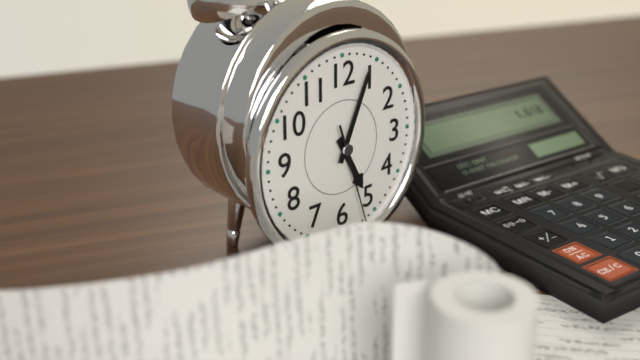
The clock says 5,04,27
